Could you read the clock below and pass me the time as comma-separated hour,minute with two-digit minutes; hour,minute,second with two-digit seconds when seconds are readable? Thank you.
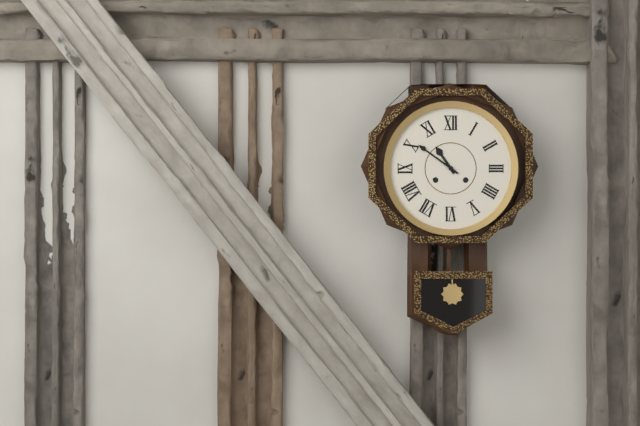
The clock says 10,51
